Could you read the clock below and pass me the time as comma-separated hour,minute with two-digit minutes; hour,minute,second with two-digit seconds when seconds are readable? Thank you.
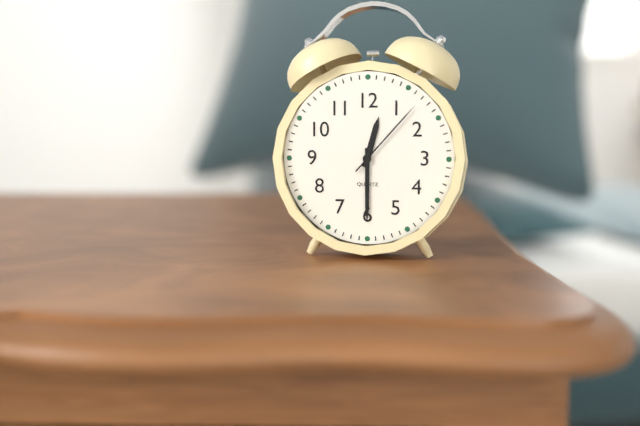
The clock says 12,30,07
